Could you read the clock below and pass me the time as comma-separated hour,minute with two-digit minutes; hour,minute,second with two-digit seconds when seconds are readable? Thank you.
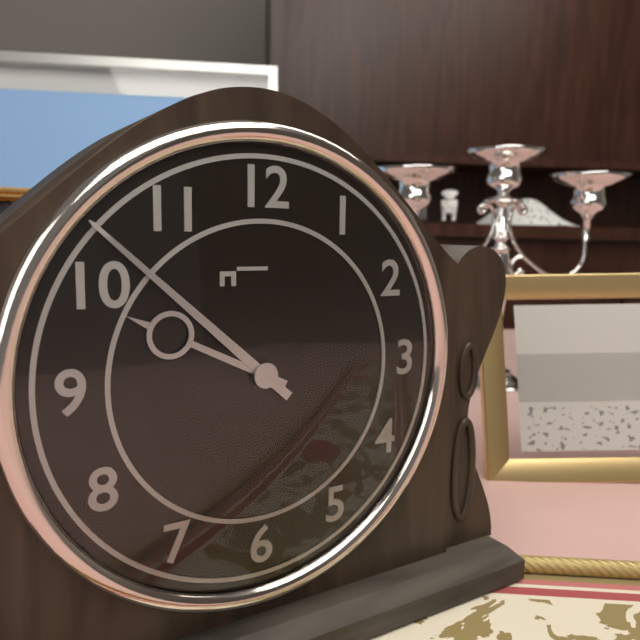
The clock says 9,52
